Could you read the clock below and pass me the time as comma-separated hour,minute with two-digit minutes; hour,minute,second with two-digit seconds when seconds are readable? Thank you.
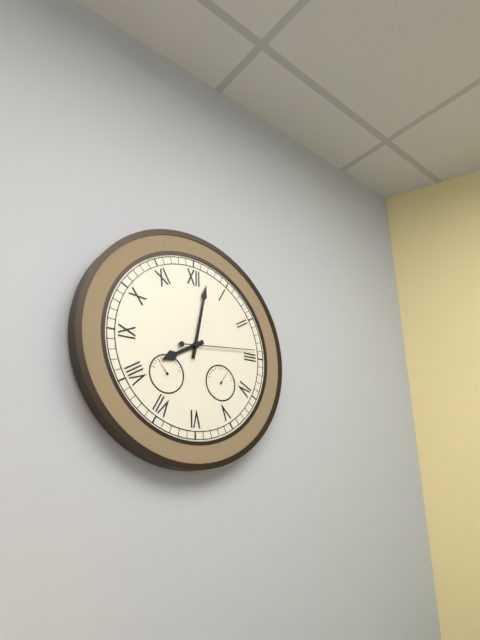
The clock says 8,02,14
